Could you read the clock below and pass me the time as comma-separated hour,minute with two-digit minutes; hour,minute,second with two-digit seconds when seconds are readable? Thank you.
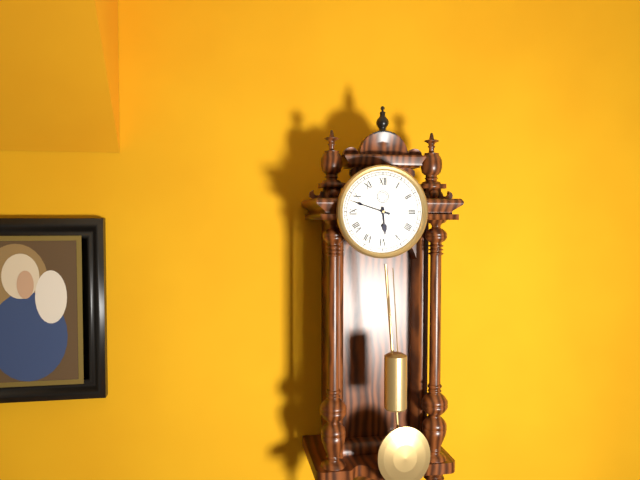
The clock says 5,48
